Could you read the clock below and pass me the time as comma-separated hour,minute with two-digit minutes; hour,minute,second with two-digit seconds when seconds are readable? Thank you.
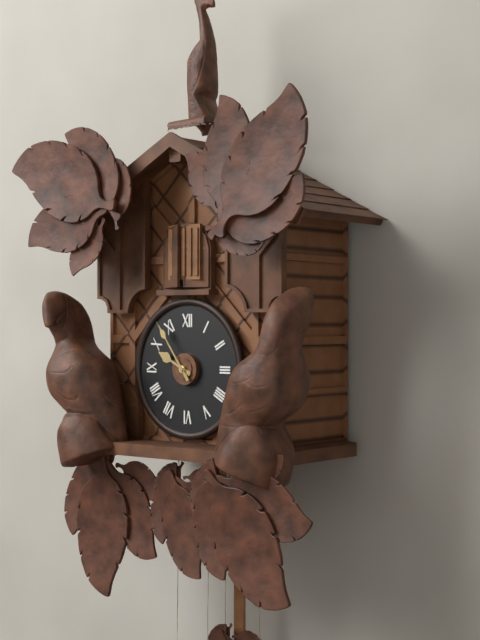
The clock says 9,54
